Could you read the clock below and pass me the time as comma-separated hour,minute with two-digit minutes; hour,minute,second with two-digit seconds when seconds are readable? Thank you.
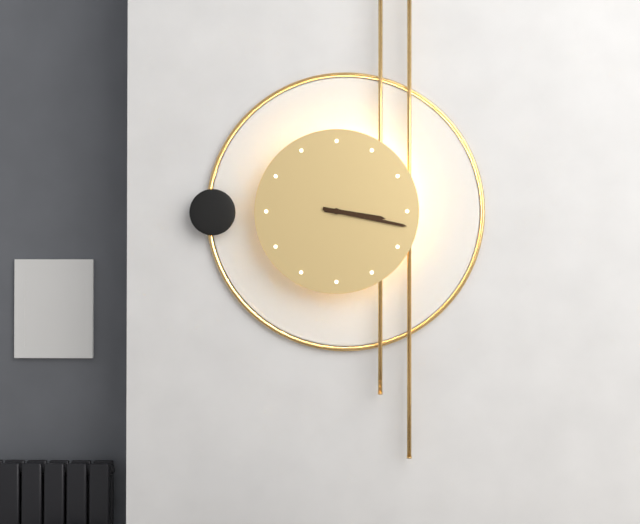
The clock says 3,17
